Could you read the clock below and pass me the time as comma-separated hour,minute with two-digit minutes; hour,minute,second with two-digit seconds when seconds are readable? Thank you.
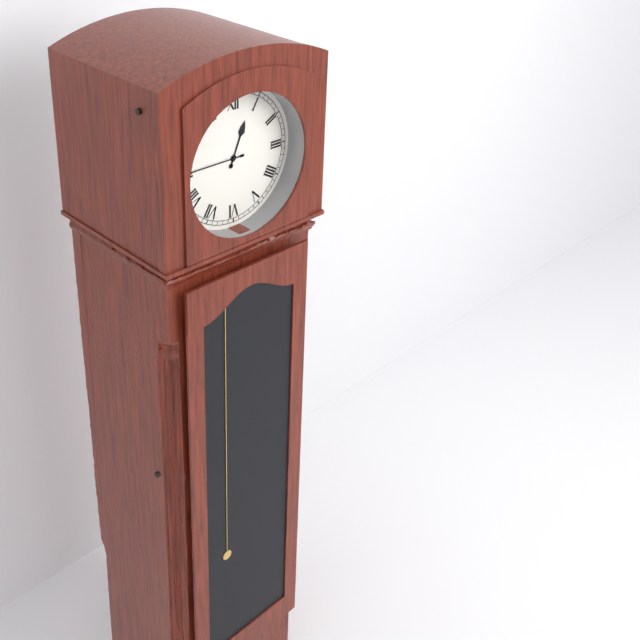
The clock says 12,45
